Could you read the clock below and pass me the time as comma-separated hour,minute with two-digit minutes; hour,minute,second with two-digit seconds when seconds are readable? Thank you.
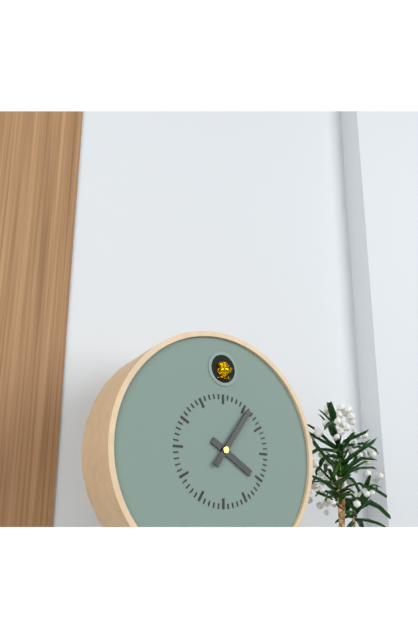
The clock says 4,06
